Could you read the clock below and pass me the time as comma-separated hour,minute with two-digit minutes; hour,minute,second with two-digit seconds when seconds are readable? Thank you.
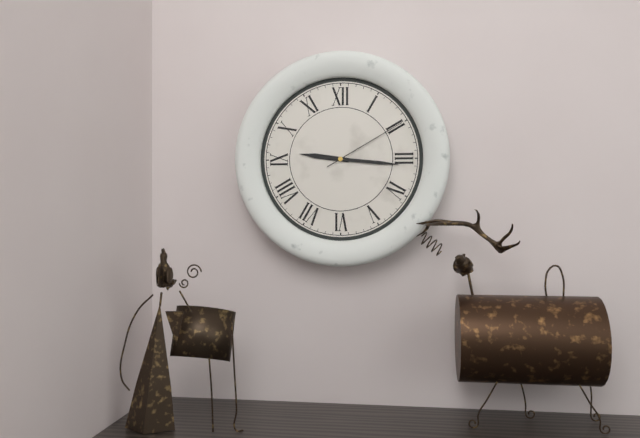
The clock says 9,16,10
